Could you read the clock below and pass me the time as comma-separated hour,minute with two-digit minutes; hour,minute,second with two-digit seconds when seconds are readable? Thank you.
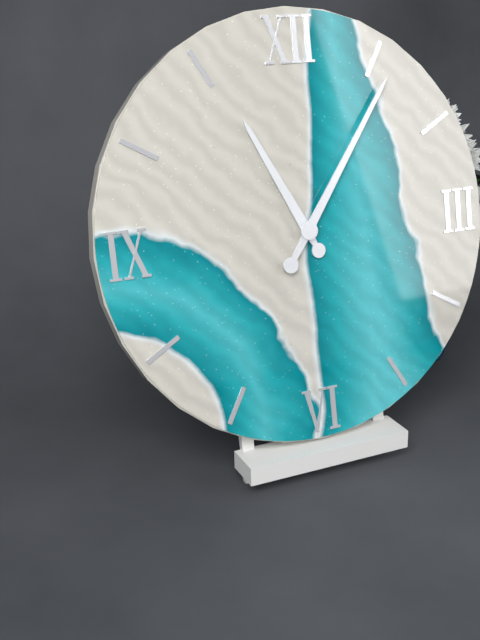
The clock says 11,06
